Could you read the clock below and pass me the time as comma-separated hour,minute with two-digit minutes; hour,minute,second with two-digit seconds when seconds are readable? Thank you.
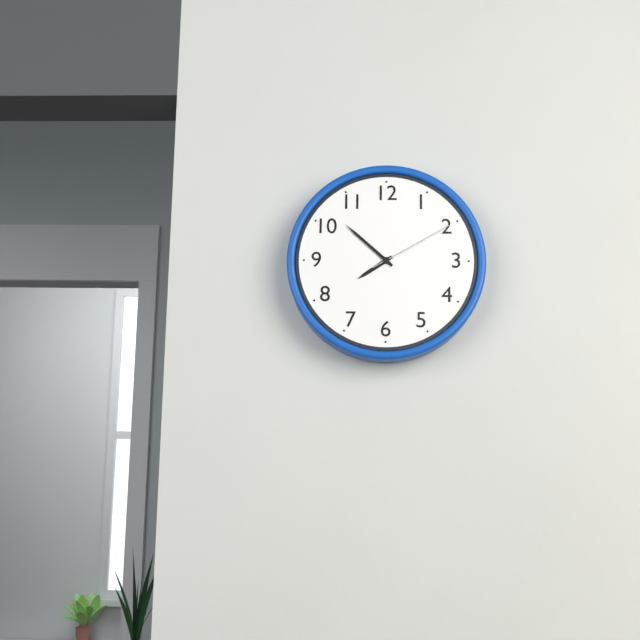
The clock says 7,52,10
